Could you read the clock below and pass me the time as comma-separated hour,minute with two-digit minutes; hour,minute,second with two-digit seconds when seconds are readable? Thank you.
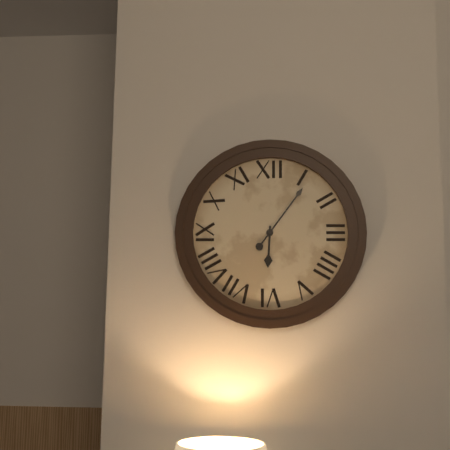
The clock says 6,06
